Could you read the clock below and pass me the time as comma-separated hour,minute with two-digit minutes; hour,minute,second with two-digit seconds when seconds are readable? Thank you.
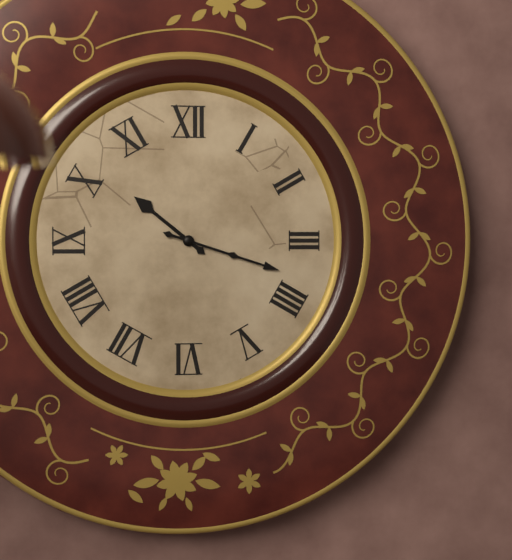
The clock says 10,18
